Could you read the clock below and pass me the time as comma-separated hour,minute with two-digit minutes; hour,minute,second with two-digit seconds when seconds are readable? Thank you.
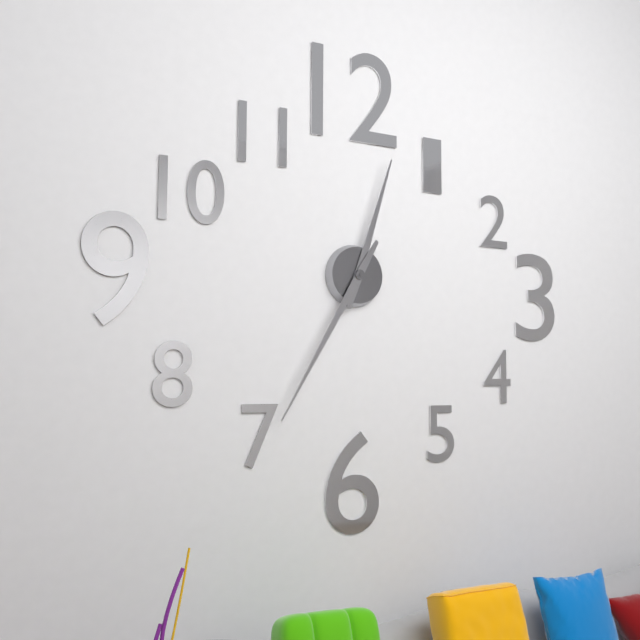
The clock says 12,35
